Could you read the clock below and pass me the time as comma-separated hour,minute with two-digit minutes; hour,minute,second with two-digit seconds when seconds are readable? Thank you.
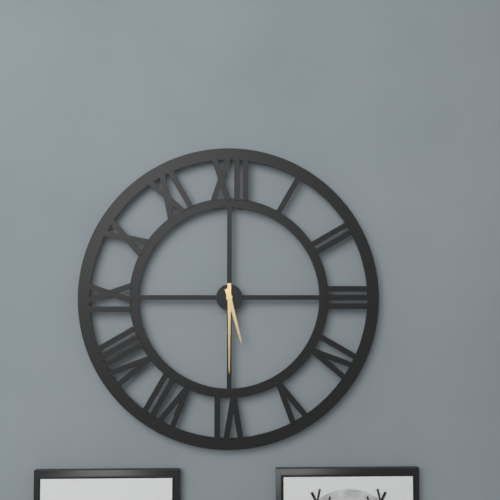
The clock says 5,30
